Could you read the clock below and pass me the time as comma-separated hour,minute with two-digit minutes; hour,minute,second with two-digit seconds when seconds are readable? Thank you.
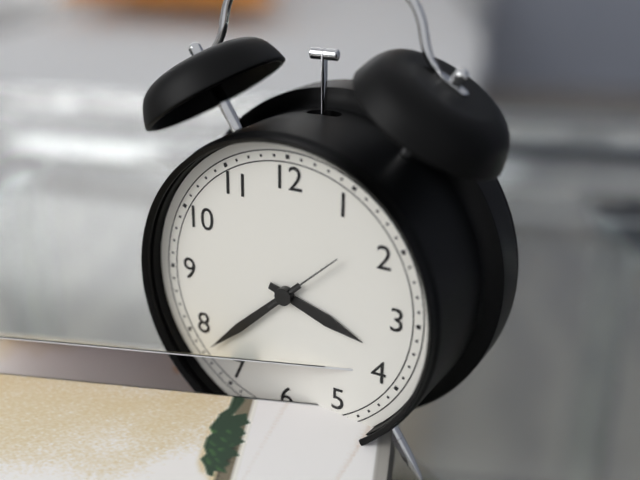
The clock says 3,38,08
